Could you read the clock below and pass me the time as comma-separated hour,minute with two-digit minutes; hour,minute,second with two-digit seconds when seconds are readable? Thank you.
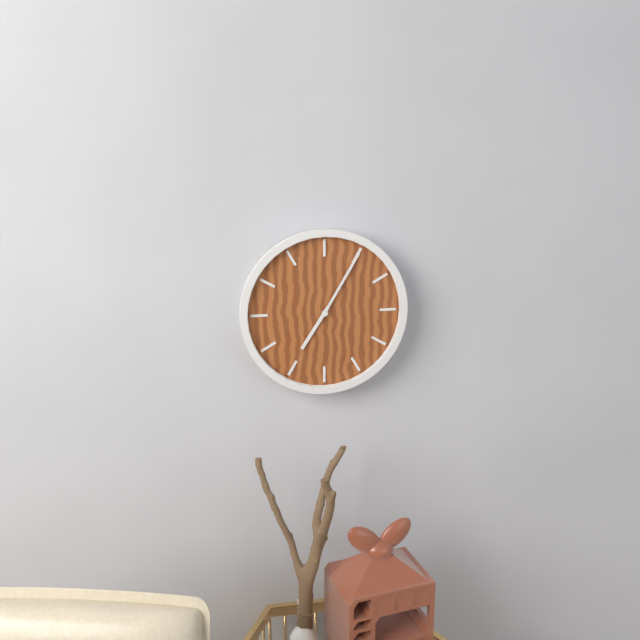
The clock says 7,05
